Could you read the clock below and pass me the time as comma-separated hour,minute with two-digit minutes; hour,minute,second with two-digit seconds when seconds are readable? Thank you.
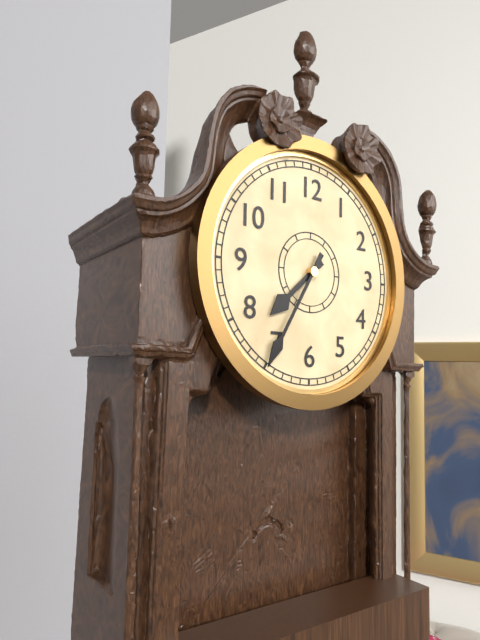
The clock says 7,35
